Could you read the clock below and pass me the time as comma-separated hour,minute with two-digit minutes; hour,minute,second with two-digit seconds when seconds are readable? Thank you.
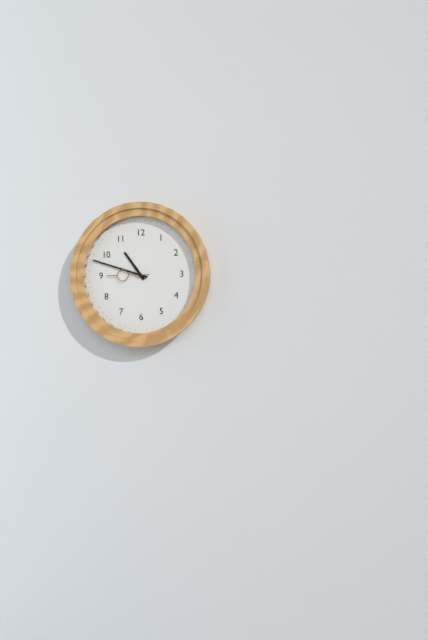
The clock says 10,48
